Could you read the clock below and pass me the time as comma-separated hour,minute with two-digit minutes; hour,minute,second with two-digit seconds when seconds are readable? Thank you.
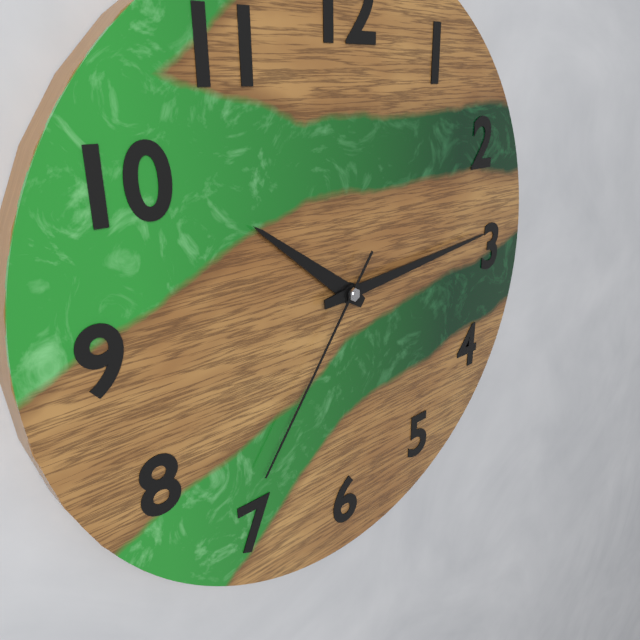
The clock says 10,14,36
